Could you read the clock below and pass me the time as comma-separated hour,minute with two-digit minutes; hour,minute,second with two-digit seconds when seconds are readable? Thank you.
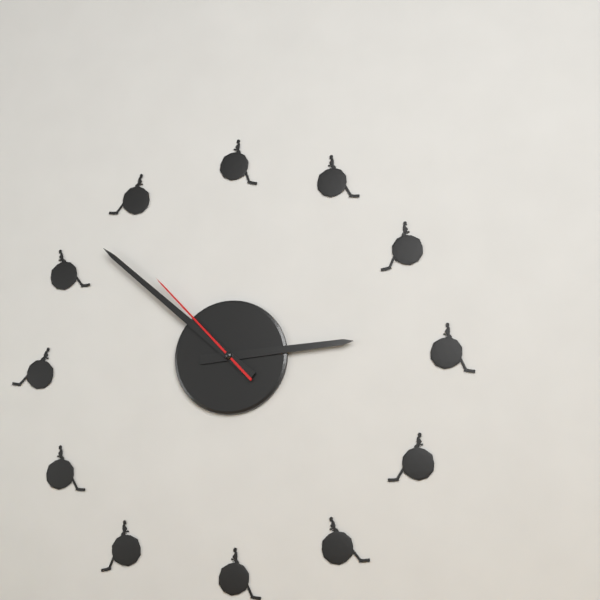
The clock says 2,52,53
